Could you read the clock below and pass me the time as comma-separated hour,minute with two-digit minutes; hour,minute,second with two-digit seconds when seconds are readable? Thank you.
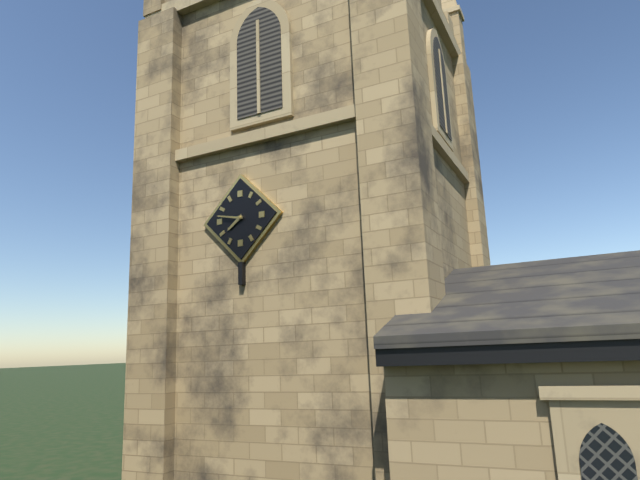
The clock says 7,47
